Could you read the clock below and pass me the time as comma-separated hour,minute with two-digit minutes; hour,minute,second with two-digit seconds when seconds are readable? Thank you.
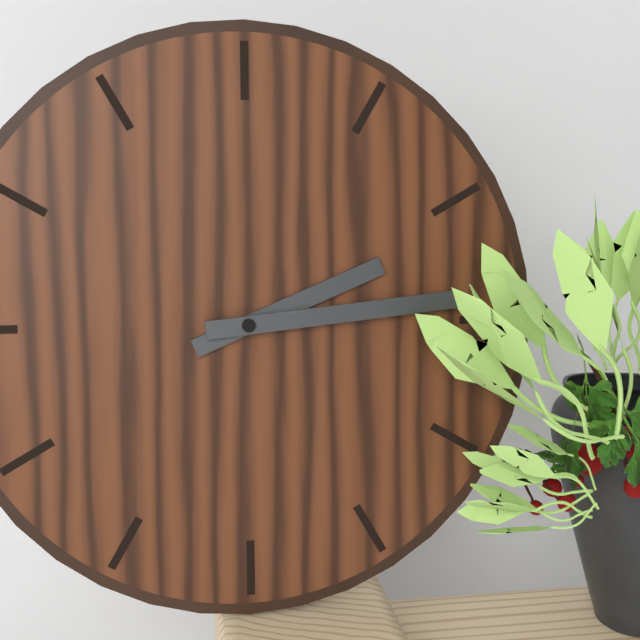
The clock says 2,14
